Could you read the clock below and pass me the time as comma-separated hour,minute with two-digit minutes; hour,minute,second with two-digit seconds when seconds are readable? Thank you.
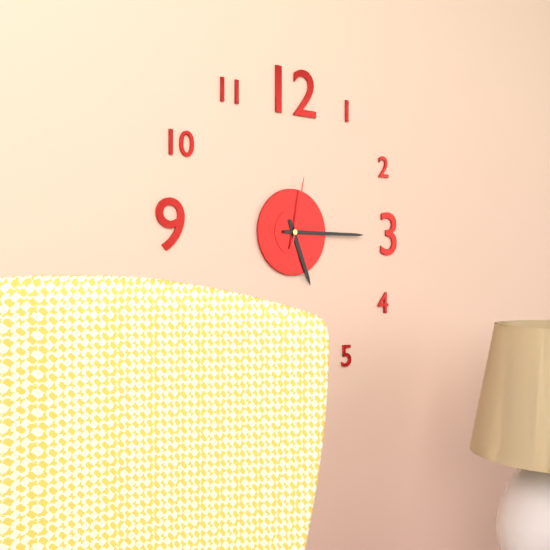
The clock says 5,15,02
